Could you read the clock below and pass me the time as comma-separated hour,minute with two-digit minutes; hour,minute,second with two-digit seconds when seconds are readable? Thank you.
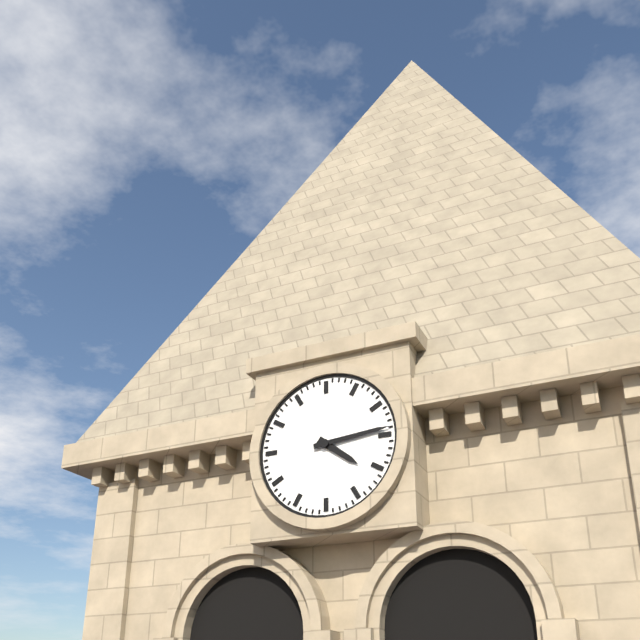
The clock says 4,14
